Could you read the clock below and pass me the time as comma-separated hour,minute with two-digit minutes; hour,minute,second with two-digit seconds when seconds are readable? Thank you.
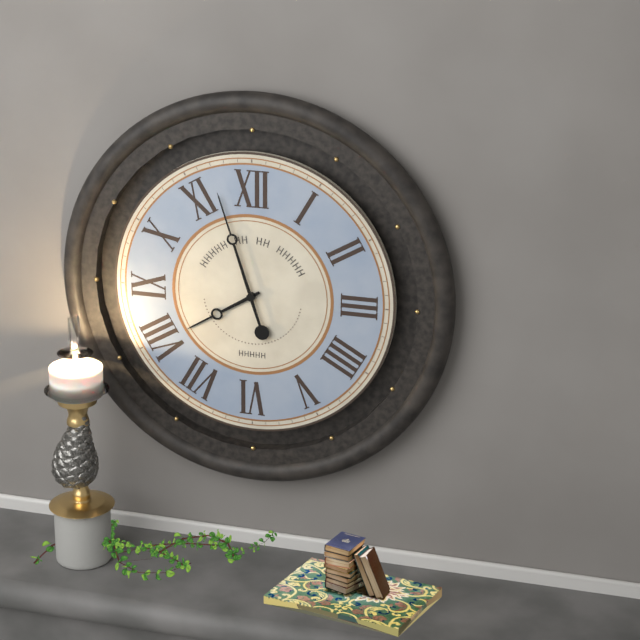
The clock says 7,57
